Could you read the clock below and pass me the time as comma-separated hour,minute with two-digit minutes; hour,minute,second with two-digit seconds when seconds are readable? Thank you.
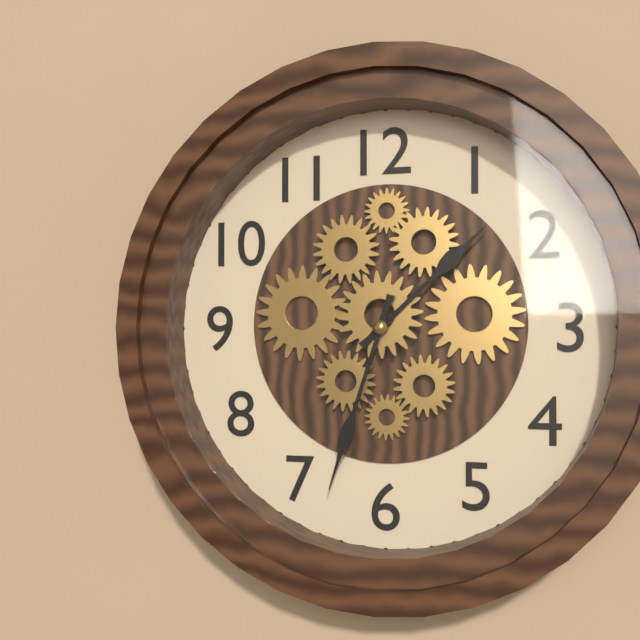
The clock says 1,33
